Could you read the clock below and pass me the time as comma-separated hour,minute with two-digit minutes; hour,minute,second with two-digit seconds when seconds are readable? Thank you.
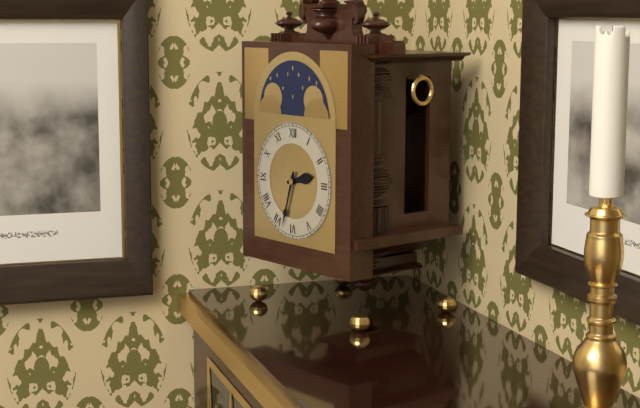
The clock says 2,33
